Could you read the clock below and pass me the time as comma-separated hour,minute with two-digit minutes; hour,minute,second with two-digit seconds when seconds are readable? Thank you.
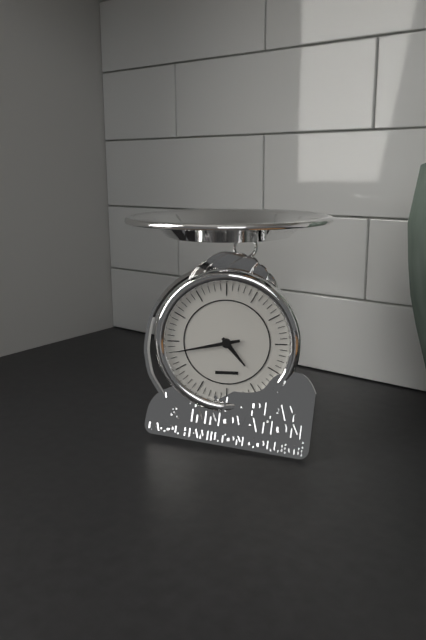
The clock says 4,43
